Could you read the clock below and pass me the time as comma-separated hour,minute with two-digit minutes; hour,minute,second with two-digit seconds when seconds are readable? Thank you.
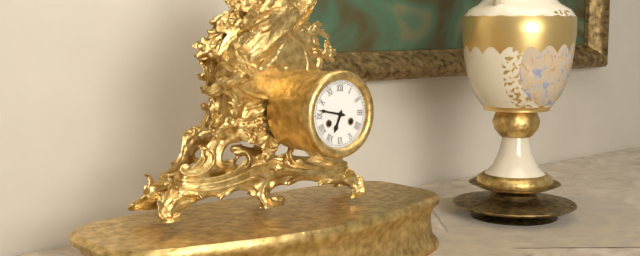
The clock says 6,47
